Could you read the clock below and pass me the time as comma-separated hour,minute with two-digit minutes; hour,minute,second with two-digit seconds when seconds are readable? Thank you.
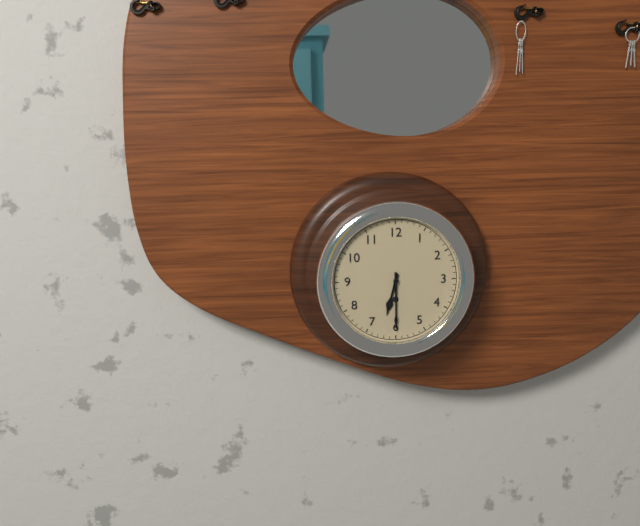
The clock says 6,30
